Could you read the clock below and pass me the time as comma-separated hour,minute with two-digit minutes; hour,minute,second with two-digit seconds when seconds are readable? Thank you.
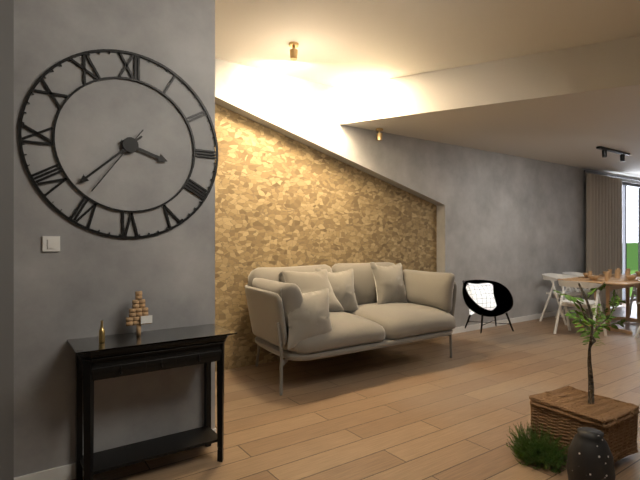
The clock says 3,38,36
